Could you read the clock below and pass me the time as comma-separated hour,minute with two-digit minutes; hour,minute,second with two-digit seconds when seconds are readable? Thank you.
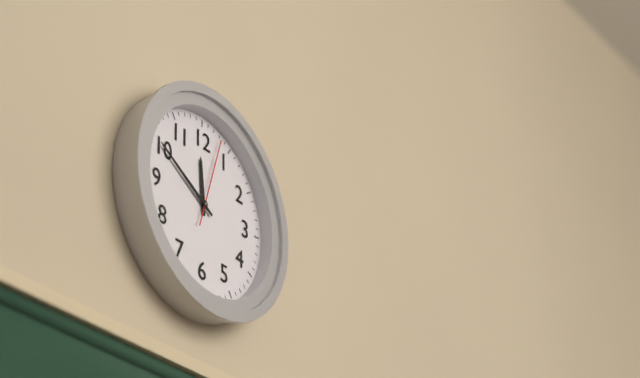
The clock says 11,50,03
